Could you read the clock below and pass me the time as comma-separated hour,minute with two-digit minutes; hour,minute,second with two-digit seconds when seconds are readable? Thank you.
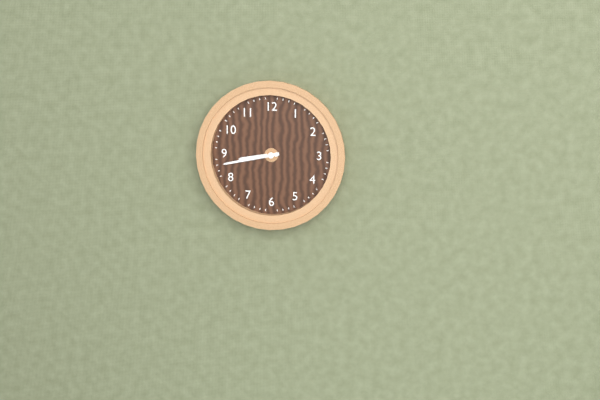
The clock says 8,43
